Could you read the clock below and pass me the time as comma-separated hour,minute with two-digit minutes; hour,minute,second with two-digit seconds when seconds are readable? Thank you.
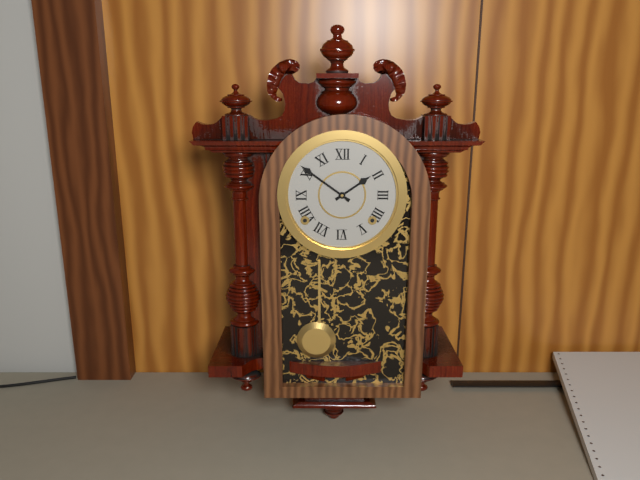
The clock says 1,51
